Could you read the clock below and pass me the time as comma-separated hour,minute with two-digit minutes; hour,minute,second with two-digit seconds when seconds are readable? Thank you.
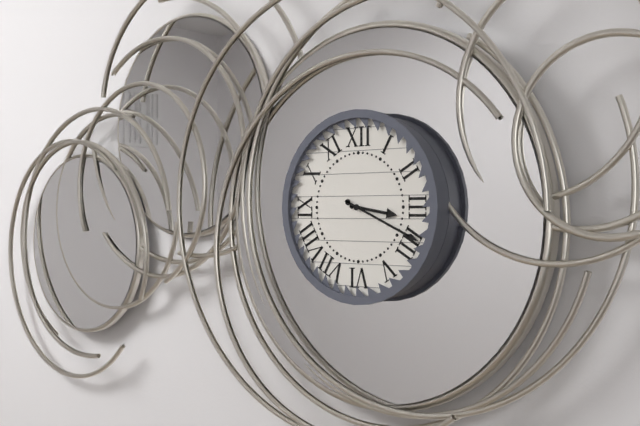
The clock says 3,19
